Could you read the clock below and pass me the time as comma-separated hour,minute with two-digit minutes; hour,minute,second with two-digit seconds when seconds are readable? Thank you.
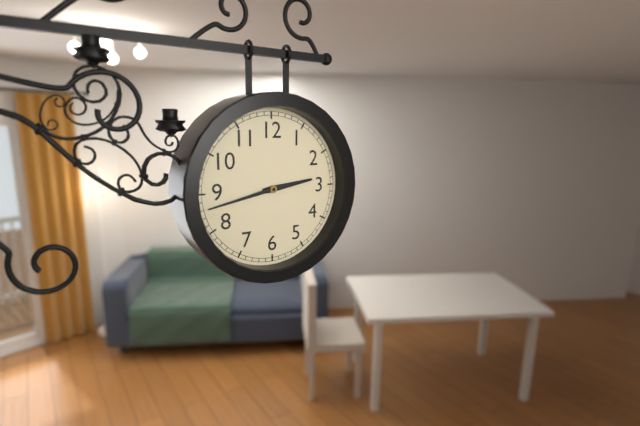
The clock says 2,43
